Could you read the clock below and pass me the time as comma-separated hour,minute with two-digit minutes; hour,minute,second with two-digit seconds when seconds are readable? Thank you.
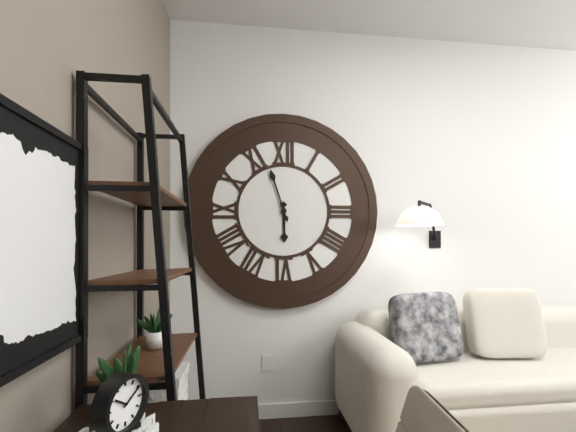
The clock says 5,57
